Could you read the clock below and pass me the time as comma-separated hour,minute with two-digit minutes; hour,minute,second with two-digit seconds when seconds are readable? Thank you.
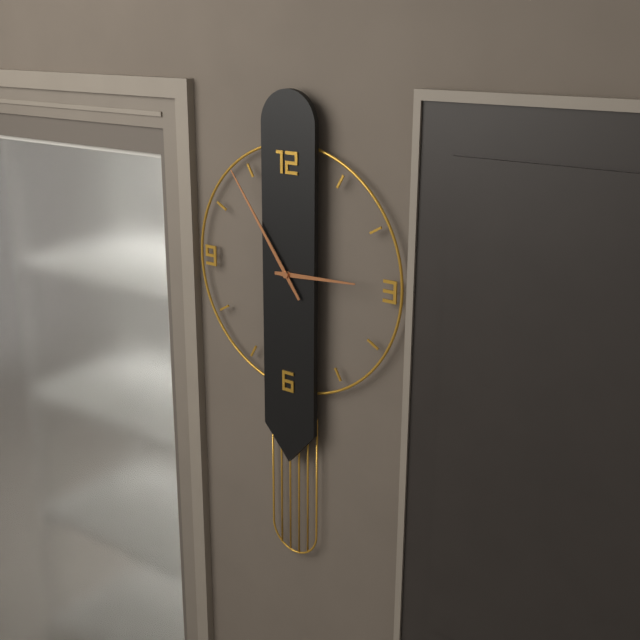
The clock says 2,54
